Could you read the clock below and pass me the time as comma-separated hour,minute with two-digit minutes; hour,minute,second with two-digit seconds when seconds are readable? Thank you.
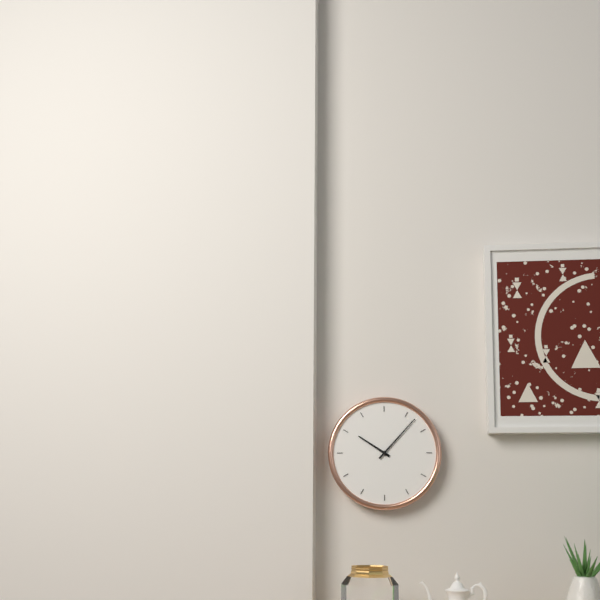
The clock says 10,07
